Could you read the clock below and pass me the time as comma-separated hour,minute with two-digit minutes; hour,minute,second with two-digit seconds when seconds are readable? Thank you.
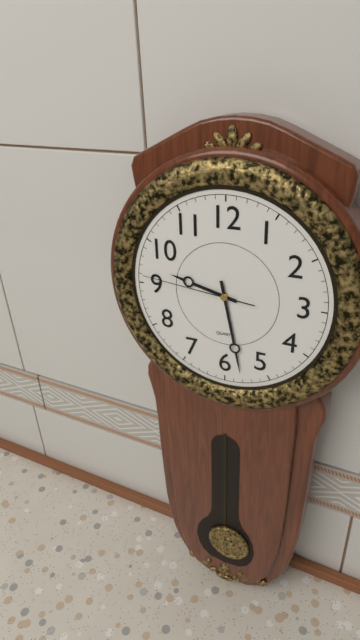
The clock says 9,28,46
